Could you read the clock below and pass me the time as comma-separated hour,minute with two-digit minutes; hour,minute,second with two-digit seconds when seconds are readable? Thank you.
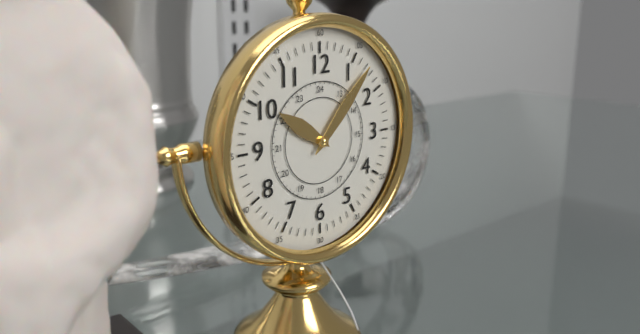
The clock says 10,07
